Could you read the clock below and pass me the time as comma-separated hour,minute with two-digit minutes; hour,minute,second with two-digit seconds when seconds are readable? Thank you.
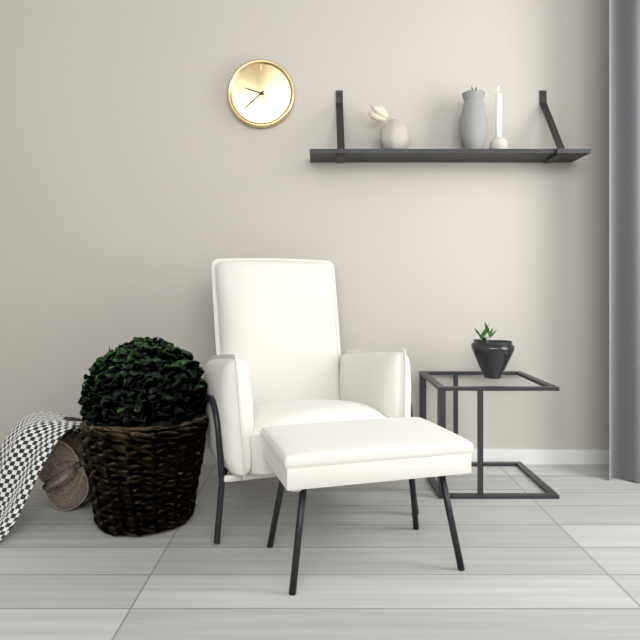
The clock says 9,38
